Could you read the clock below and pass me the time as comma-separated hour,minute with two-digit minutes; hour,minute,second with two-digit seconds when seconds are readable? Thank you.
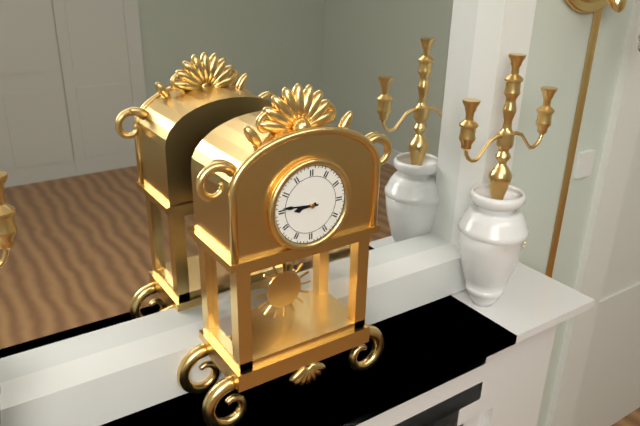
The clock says 8,46
